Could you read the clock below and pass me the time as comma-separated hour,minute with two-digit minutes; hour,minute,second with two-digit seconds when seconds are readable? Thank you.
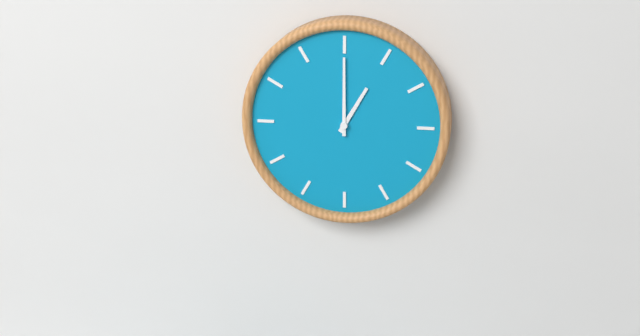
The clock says 1,00
